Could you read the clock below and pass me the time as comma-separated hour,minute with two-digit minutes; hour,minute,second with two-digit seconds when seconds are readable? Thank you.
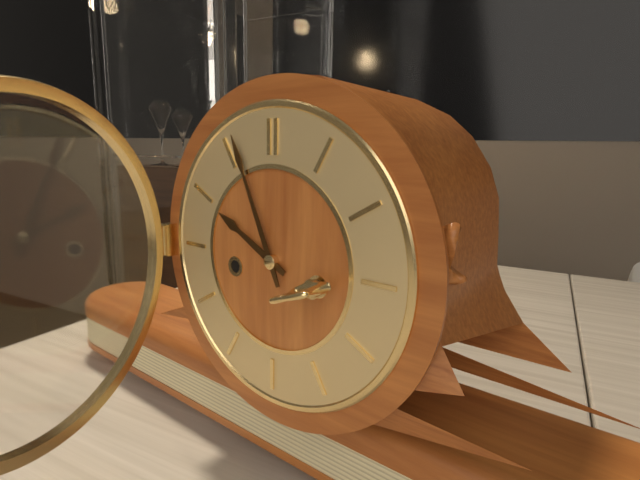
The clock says 9,56
